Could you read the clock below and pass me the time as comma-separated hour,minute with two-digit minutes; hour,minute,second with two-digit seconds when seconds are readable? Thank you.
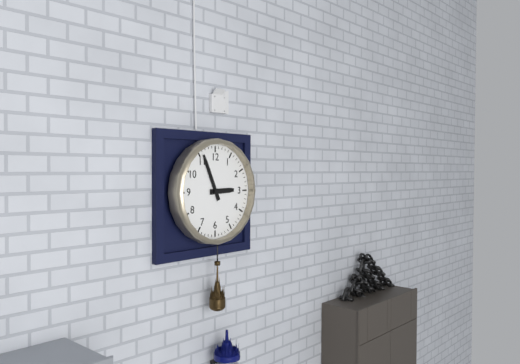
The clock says 2,56
